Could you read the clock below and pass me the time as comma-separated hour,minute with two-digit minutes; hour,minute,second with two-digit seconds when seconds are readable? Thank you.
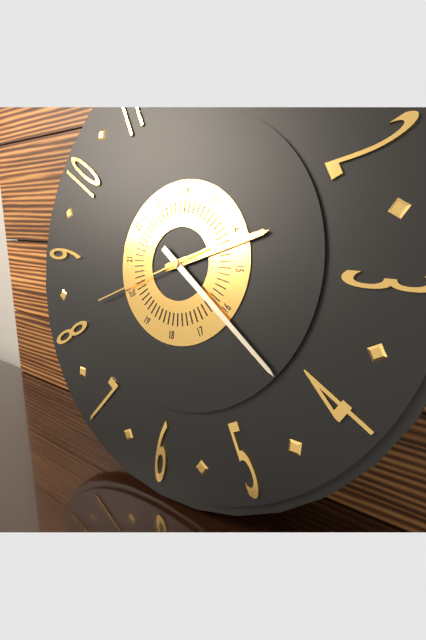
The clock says 2,21,41
